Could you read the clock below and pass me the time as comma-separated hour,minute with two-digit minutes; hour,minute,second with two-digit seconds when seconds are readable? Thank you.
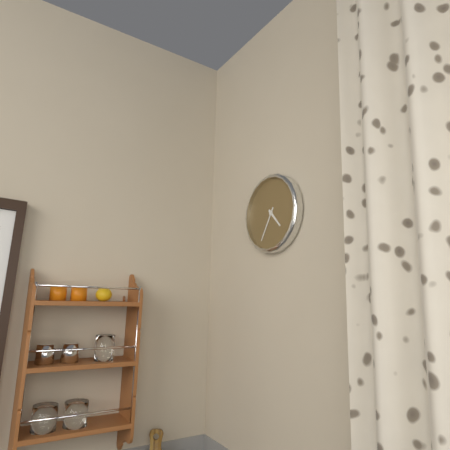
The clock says 4,35
